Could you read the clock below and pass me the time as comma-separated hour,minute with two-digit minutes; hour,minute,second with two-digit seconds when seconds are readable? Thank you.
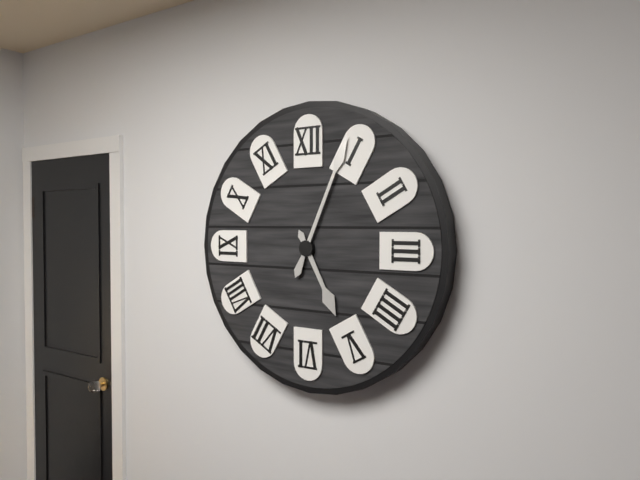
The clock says 5,04
